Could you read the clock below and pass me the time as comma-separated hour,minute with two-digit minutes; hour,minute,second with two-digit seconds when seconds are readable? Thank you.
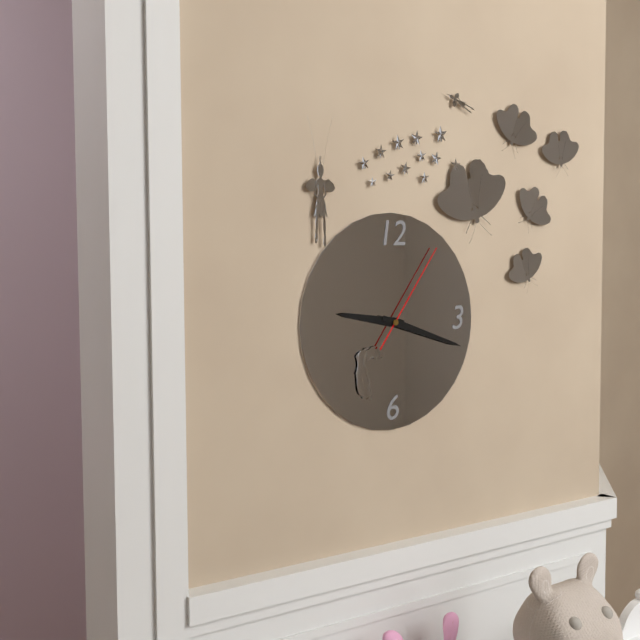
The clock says 9,18,06
